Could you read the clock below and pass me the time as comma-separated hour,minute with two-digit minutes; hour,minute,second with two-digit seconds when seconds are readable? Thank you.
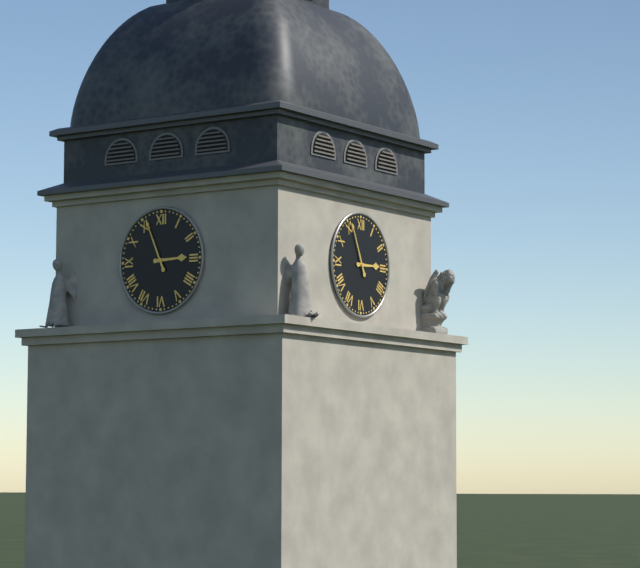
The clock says 2,56
